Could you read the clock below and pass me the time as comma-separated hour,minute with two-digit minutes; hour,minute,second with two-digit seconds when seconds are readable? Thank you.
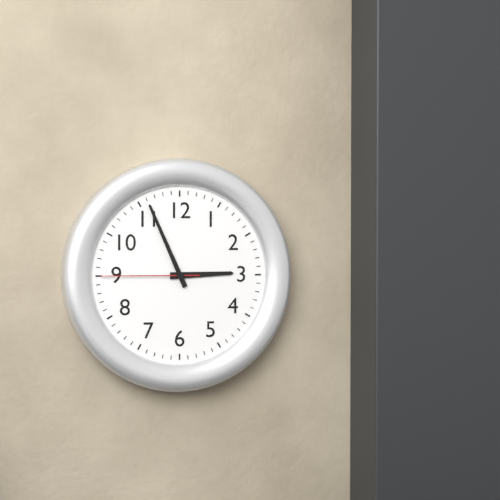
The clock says 2,56,45
